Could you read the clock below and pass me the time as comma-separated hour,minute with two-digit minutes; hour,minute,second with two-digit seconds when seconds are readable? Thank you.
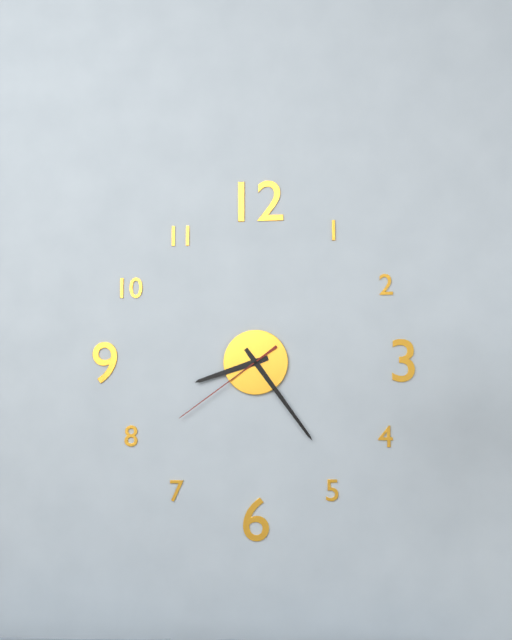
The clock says 8,24,39
